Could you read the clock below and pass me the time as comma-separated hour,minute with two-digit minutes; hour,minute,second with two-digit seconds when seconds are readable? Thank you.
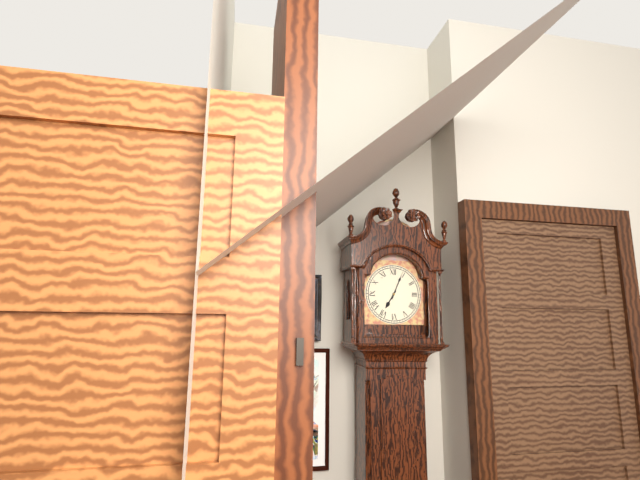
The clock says 7,04
